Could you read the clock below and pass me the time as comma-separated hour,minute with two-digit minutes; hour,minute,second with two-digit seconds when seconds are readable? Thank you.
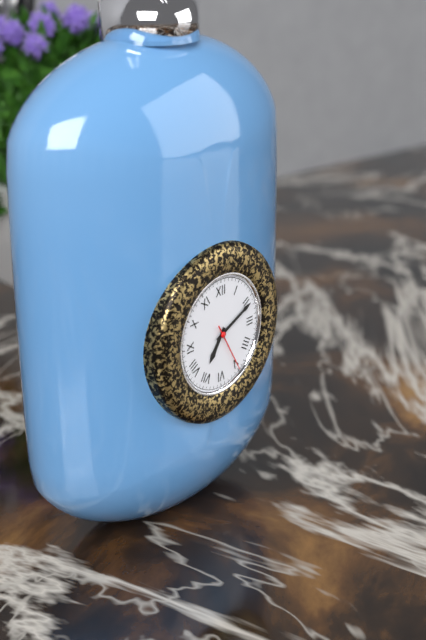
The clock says 7,11
